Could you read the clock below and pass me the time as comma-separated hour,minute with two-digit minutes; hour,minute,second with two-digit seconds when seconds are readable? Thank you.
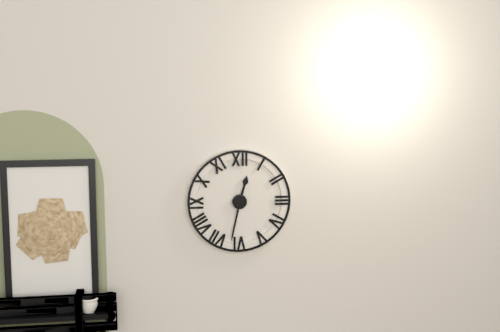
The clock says 12,32
